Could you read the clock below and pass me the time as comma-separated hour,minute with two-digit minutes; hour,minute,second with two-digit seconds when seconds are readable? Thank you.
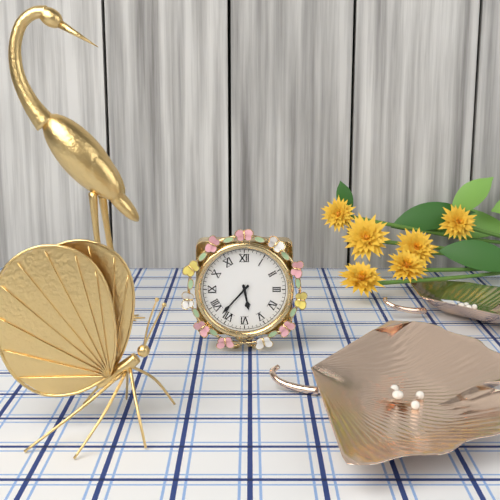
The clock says 5,37
